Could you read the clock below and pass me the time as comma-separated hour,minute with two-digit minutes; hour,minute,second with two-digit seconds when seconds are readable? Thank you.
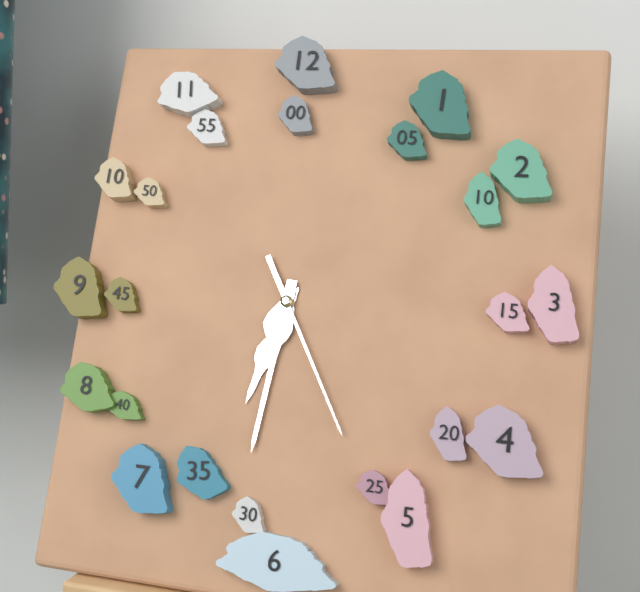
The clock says 6,31,25
